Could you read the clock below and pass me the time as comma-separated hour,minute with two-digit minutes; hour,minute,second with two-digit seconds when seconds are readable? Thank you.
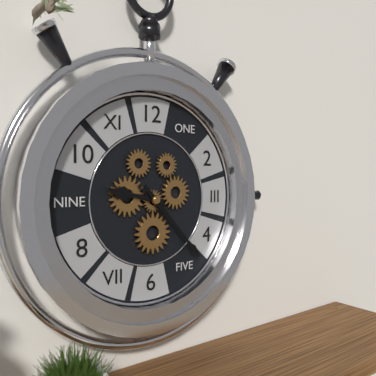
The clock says 9,23
